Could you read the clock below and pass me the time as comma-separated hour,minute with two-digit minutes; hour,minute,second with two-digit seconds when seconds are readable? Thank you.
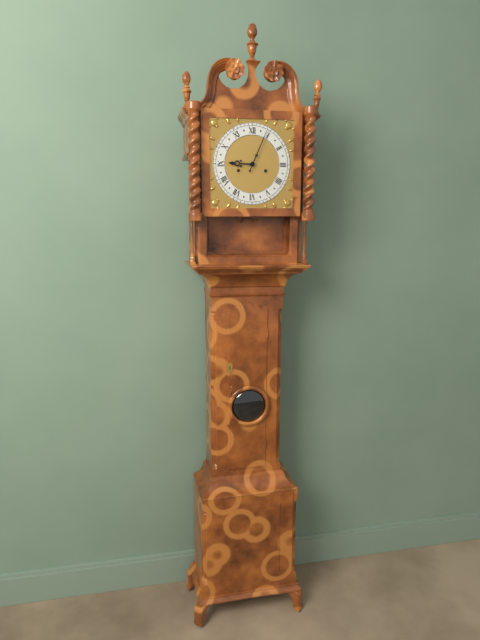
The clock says 9,04
